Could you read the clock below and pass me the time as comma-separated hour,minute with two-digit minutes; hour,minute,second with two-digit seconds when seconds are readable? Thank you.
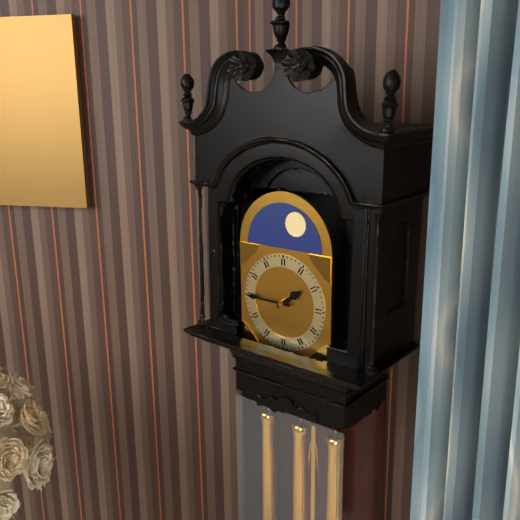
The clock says 1,45
